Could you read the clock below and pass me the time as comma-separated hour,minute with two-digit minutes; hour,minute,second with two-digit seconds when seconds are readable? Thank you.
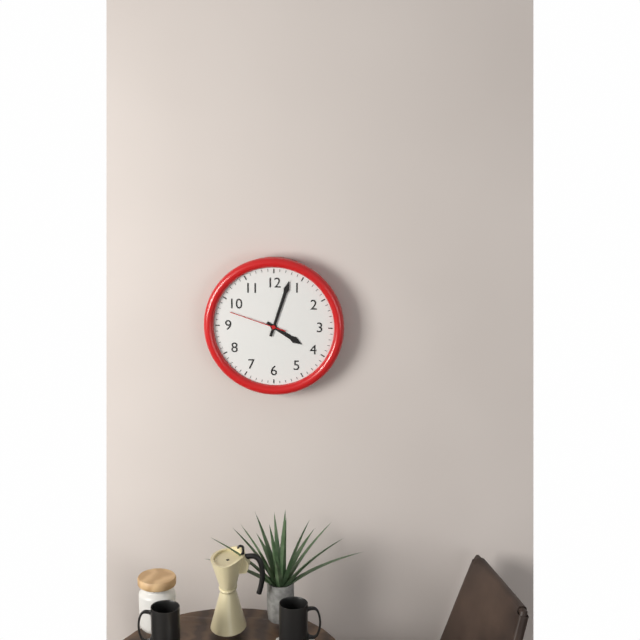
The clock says 4,03,48
